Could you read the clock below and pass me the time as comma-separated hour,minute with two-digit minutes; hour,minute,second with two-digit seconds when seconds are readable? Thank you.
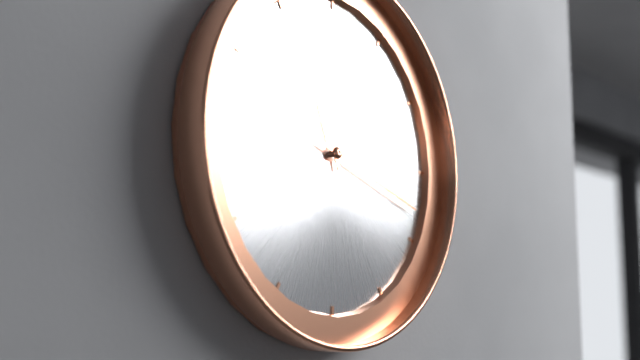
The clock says 11,18
